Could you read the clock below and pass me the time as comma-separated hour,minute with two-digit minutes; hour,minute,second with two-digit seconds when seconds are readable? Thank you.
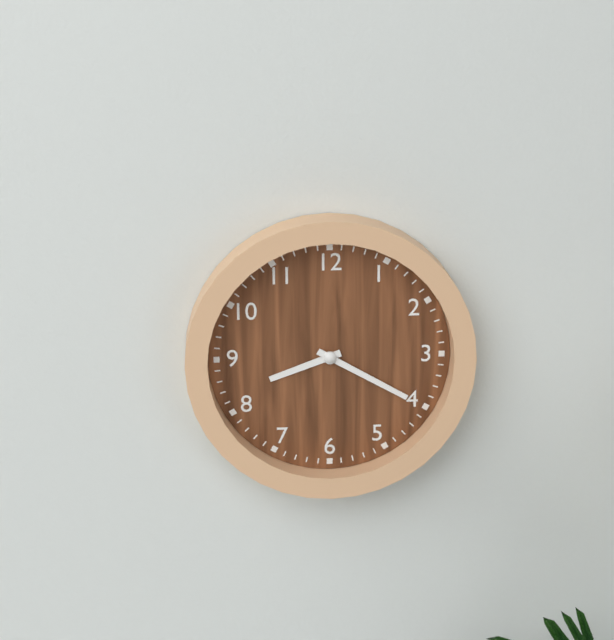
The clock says 8,20
